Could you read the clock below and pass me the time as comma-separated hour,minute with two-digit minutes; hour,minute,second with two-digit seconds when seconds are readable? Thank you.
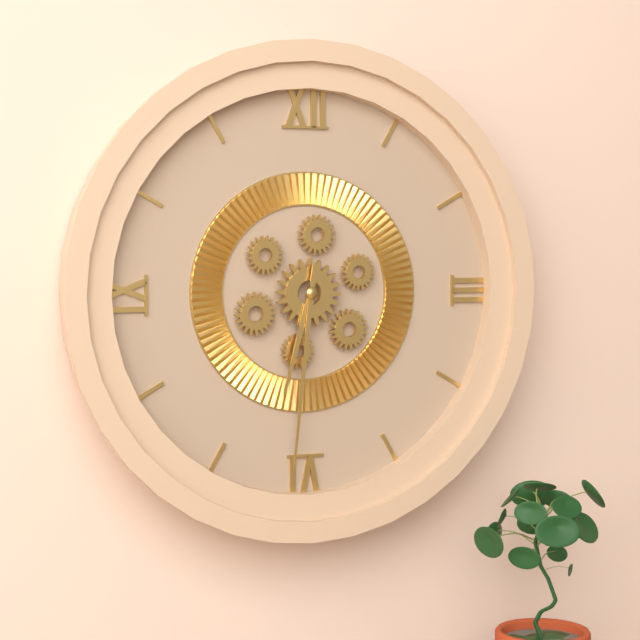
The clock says 6,31
